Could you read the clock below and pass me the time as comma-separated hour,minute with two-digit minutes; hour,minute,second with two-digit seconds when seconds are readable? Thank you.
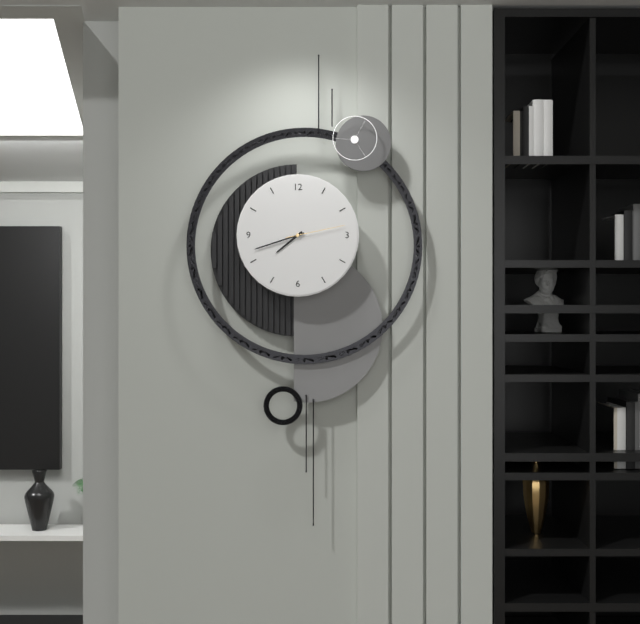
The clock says 7,42,13
